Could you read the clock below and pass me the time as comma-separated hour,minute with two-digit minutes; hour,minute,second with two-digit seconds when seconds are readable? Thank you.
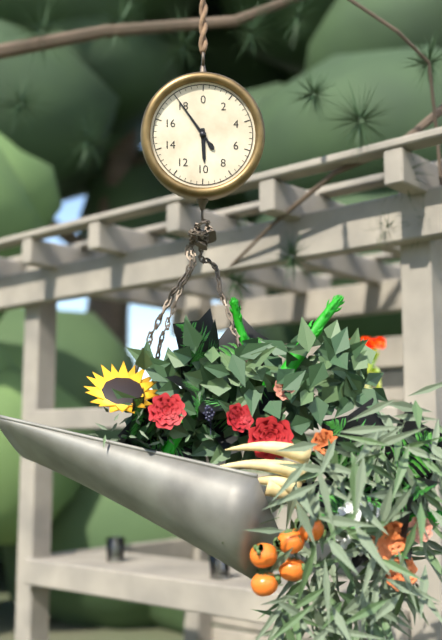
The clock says 5,54
